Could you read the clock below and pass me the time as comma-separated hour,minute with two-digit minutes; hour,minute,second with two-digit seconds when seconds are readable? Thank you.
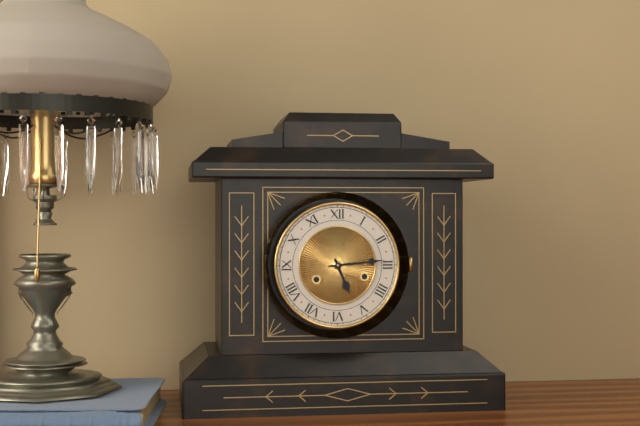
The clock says 5,14
